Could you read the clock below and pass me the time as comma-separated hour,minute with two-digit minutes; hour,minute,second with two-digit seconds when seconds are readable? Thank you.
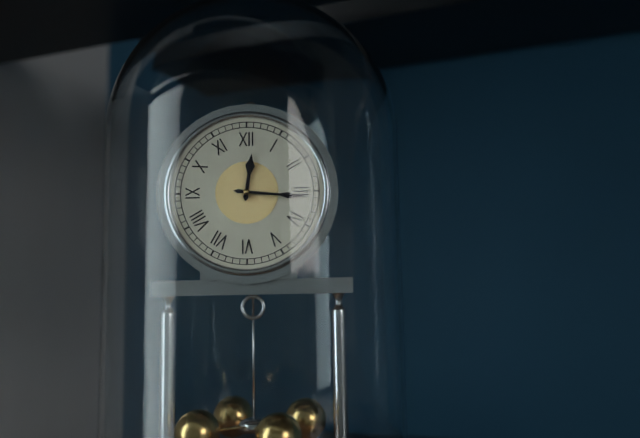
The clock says 12,16
